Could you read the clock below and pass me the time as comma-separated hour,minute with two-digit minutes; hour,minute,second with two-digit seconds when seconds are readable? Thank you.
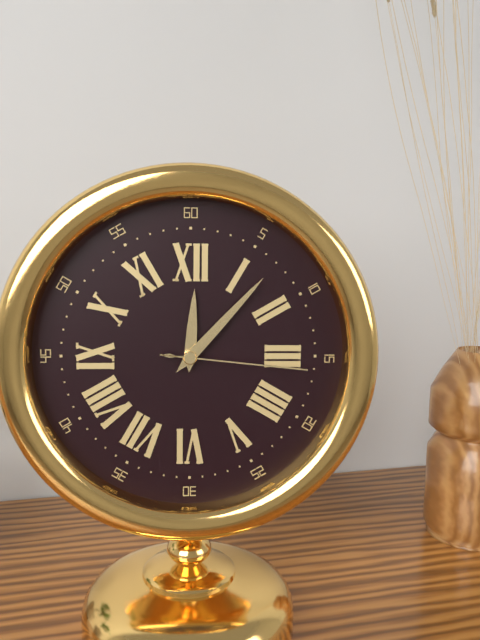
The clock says 12,07,16
